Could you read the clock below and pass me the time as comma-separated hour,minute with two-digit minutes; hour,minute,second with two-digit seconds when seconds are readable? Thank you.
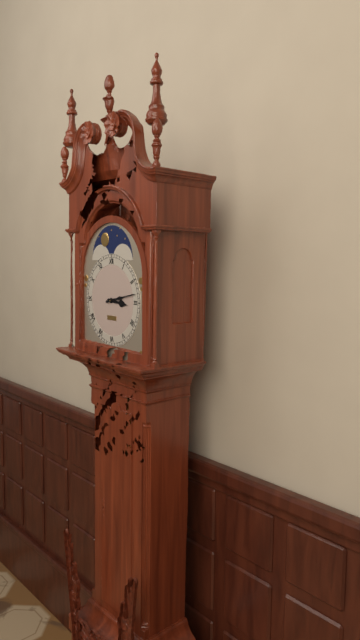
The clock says 3,13
